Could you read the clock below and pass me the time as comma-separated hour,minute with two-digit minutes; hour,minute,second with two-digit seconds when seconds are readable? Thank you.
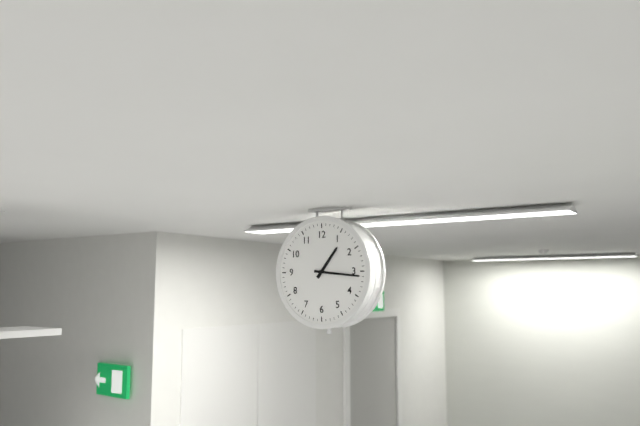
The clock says 1,16
